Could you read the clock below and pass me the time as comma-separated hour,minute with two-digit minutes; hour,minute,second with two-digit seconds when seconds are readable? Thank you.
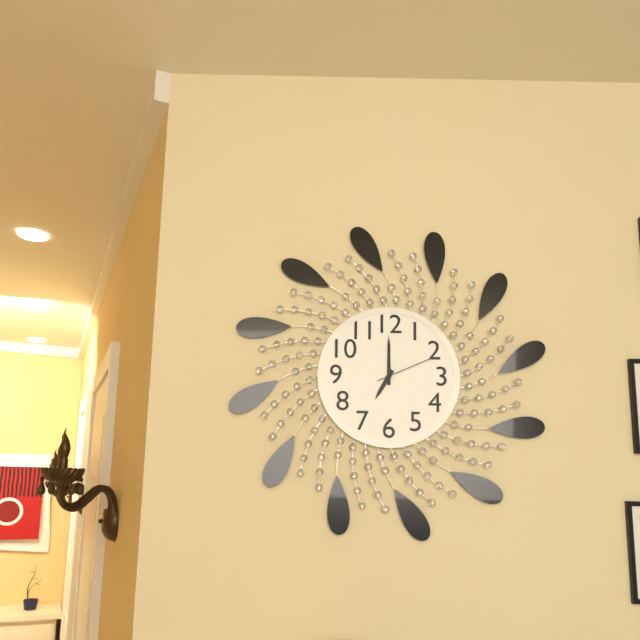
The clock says 7,00,11
